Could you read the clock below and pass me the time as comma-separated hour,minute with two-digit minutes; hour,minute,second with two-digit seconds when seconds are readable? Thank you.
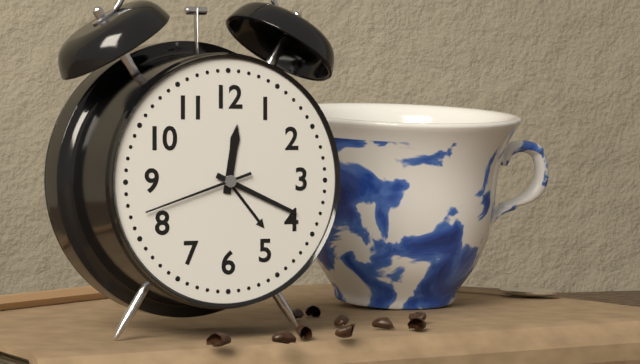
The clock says 12,19,42
